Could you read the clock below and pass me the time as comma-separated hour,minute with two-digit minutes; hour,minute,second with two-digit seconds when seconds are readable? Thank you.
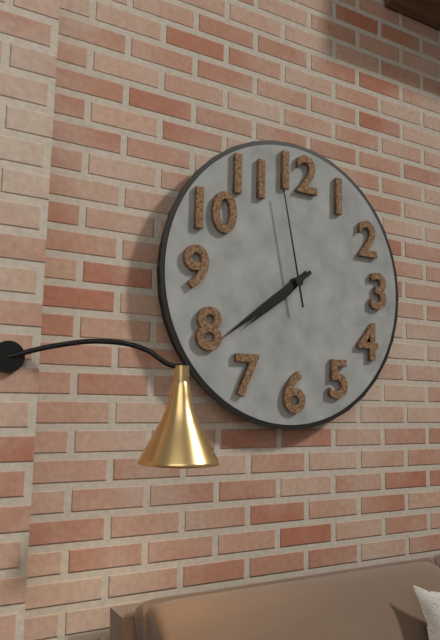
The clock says 7,39,58
